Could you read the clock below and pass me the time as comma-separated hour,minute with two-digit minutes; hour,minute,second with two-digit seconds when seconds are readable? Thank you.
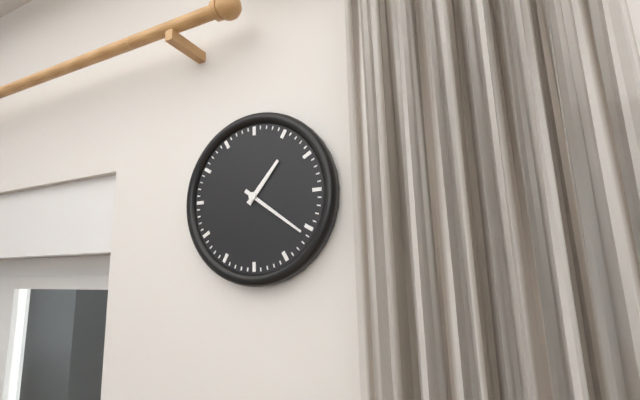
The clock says 1,21
